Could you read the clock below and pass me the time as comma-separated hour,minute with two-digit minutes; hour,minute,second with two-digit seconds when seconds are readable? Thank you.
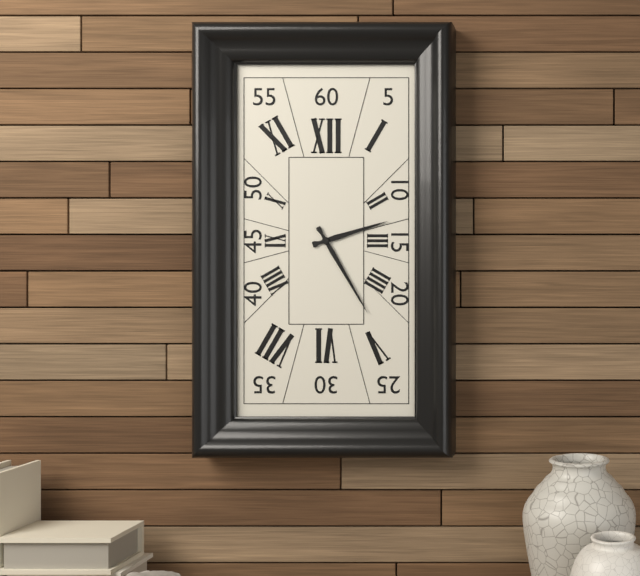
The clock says 2,25
